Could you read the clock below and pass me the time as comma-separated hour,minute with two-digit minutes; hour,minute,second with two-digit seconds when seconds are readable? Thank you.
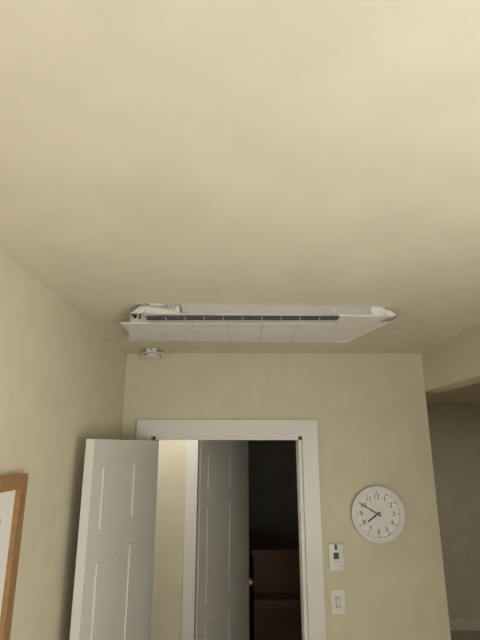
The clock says 7,50
